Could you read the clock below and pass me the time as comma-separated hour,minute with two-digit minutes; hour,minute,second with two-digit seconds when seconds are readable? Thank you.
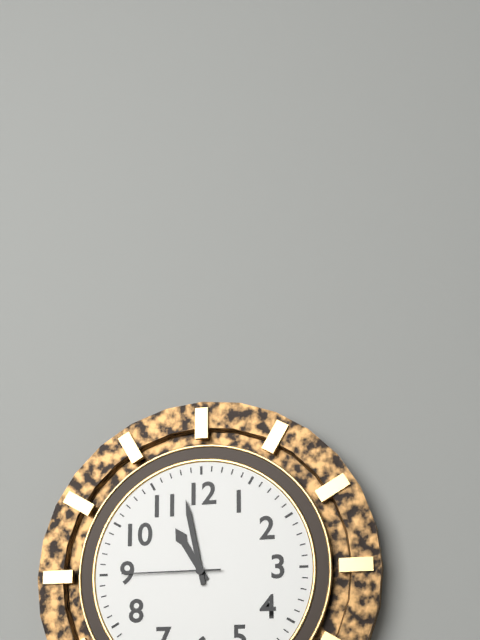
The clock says 10,58,45
